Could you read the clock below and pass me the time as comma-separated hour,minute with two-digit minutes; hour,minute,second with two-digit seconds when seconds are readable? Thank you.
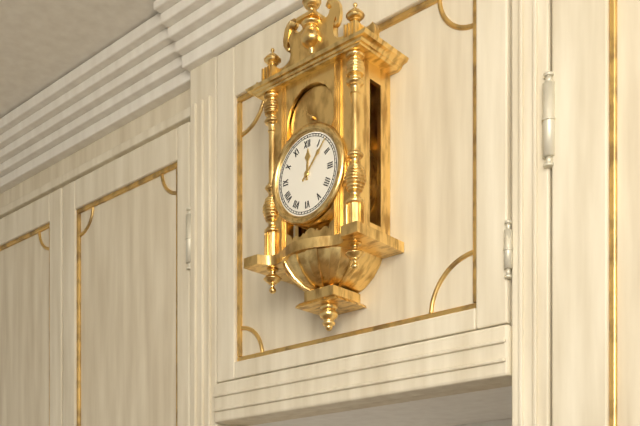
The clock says 12,07
